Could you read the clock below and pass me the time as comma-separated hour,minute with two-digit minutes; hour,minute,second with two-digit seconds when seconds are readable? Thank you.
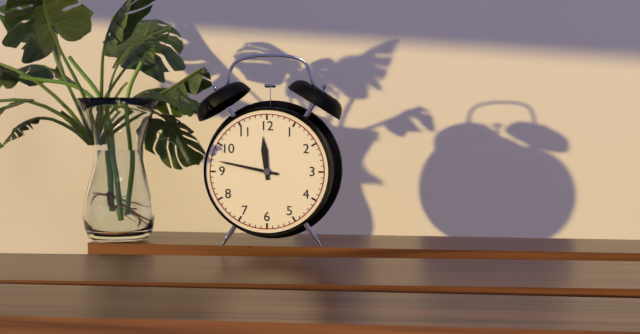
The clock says 11,47
